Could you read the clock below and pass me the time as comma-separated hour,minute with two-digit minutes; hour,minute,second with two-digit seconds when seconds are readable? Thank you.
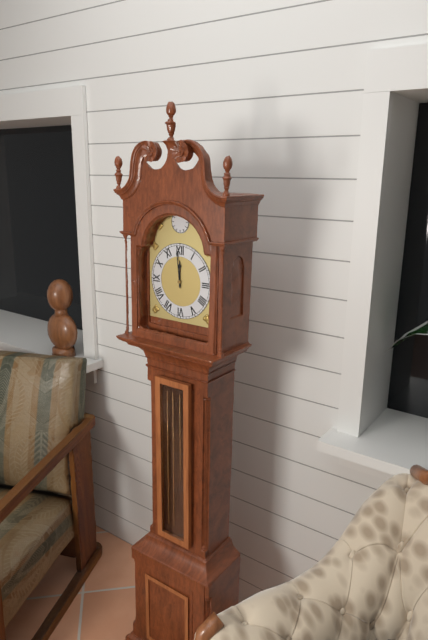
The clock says 11,59
